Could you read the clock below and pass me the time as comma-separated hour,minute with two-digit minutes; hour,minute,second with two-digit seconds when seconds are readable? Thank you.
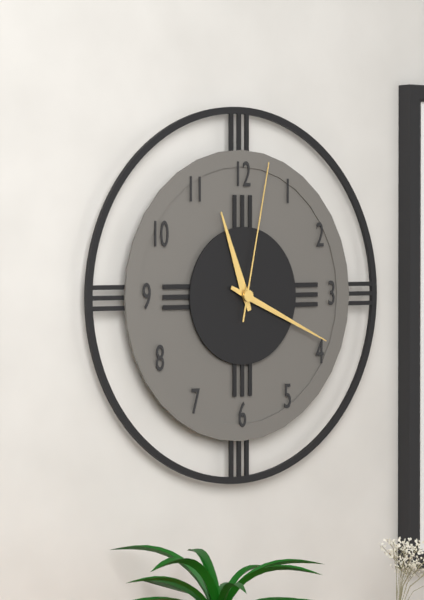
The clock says 11,19,02
